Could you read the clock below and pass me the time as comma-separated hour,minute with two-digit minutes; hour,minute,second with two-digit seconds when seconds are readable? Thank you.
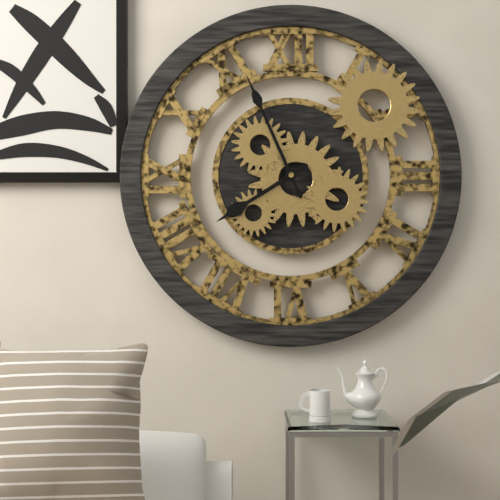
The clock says 7,56
